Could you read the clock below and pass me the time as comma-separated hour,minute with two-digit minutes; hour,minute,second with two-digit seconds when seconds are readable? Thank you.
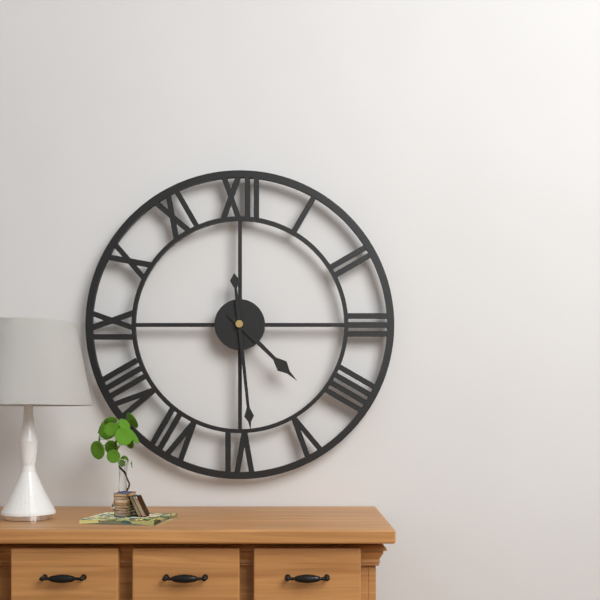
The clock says 4,29
